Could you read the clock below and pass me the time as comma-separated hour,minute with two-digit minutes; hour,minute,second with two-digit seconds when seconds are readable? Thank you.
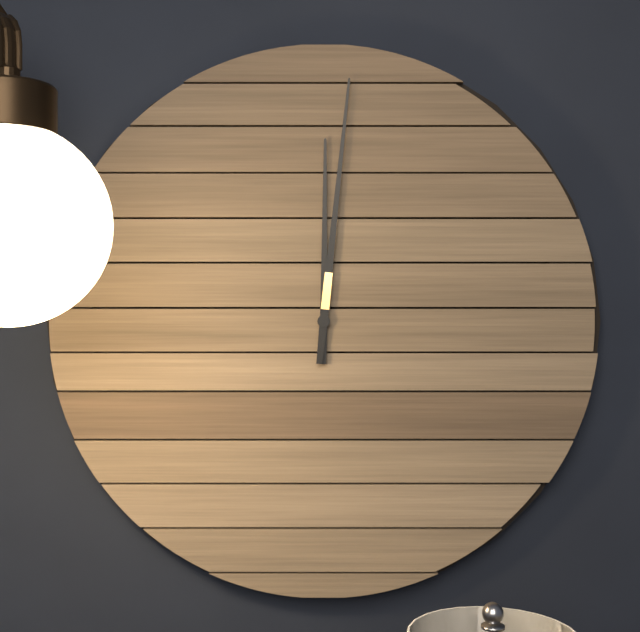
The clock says 12,01
